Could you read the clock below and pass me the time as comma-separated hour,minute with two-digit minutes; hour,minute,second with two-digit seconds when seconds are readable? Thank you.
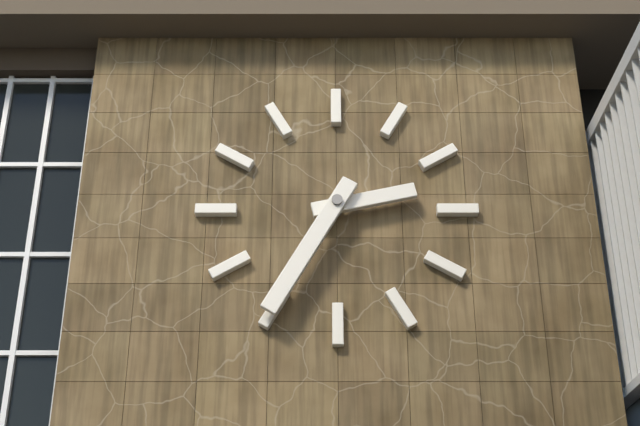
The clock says 2,35
